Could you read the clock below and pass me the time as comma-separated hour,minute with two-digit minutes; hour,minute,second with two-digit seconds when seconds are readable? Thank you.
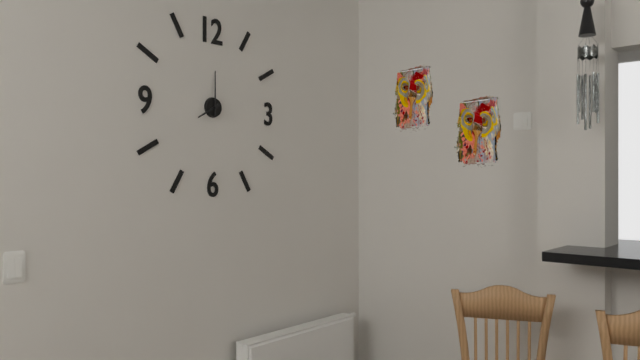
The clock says 8,00
